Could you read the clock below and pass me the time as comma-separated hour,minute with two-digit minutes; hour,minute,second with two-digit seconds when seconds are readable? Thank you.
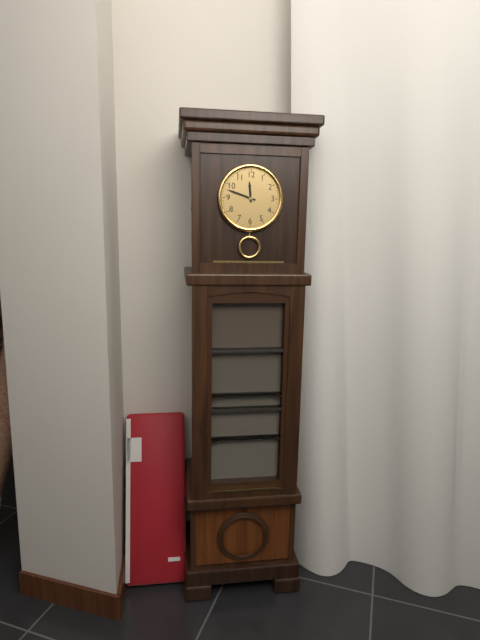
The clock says 11,48
